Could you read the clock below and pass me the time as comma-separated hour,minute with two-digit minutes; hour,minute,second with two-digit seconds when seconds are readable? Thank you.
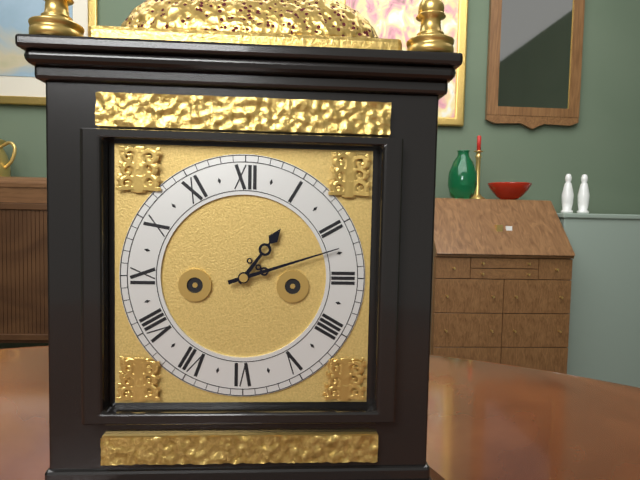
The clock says 1,12
